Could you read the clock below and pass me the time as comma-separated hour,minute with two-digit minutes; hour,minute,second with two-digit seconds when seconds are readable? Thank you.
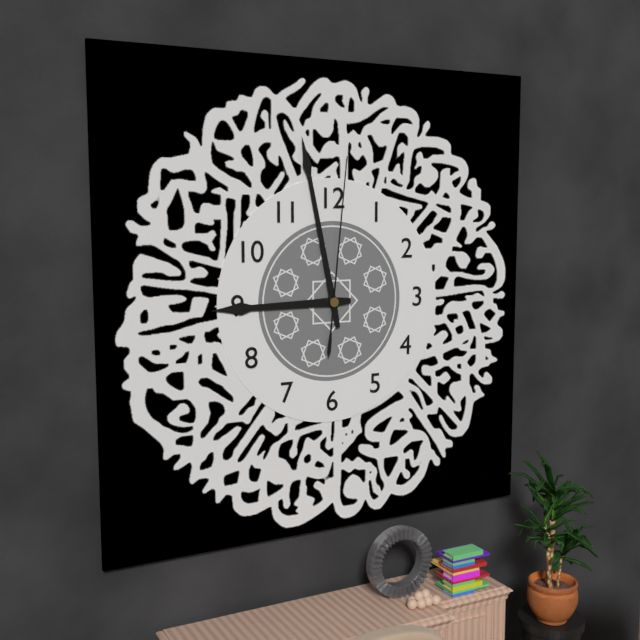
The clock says 8,58,01
